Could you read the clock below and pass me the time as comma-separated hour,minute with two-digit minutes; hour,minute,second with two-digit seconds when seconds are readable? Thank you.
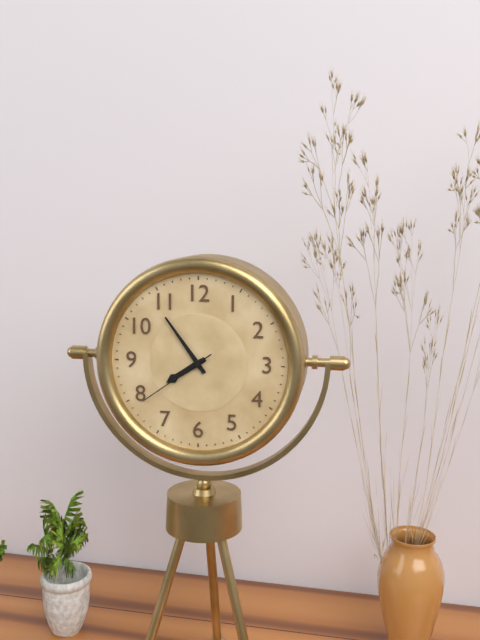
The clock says 7,54,39
